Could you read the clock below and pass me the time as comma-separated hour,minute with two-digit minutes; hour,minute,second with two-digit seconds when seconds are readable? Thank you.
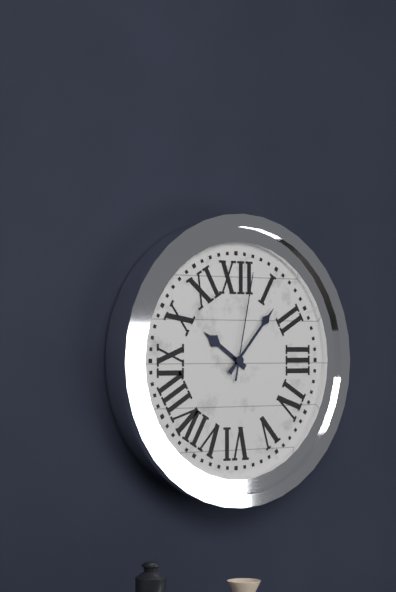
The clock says 10,07,02
